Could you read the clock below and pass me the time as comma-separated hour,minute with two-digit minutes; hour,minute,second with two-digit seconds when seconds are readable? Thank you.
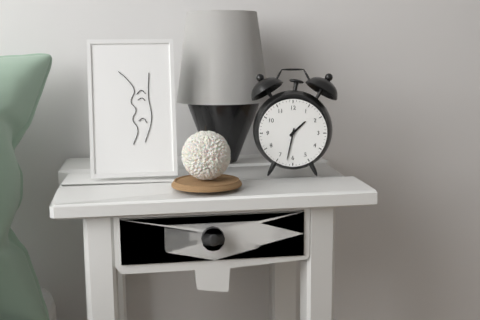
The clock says 1,32
